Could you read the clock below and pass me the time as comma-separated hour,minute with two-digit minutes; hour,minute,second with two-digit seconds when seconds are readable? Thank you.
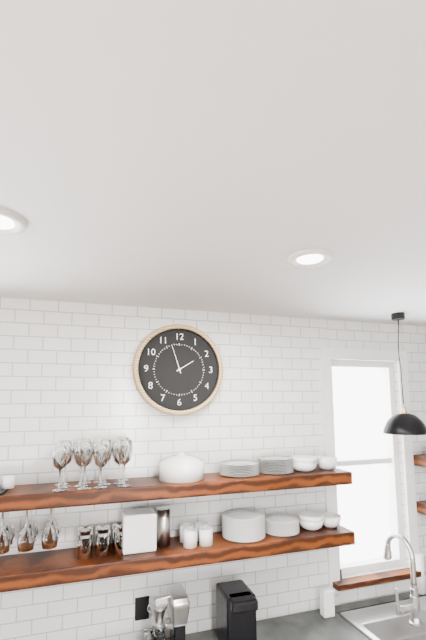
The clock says 1,57
